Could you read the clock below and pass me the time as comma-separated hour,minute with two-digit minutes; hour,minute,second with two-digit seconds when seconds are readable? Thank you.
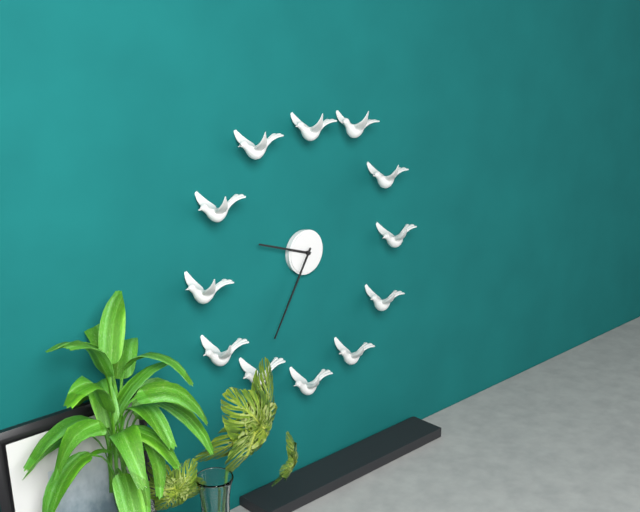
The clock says 9,35
